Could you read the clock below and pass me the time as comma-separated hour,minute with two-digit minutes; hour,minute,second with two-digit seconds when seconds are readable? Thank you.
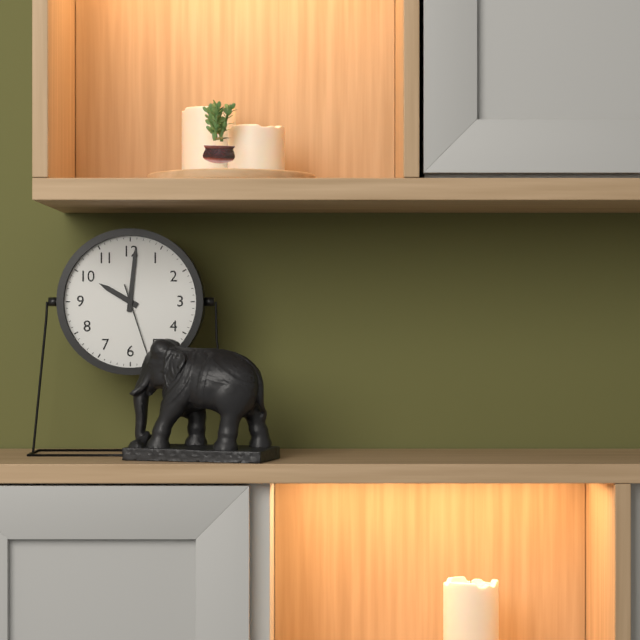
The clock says 10,01,27
